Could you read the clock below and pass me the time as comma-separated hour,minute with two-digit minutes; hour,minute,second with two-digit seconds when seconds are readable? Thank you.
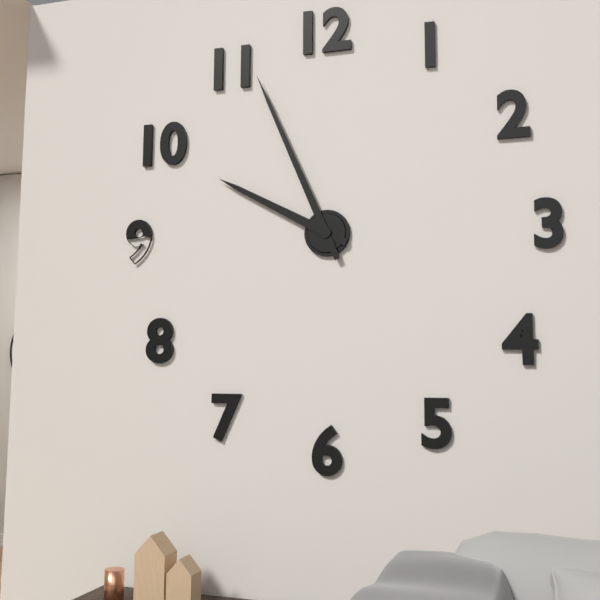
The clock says 9,56
